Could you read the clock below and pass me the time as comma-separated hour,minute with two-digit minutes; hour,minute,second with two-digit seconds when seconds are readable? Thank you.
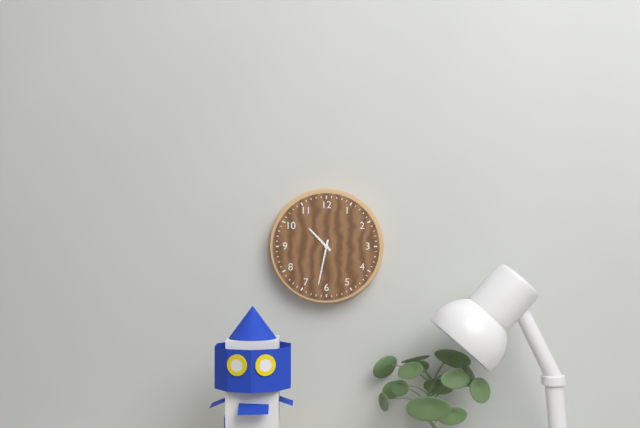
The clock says 10,32
